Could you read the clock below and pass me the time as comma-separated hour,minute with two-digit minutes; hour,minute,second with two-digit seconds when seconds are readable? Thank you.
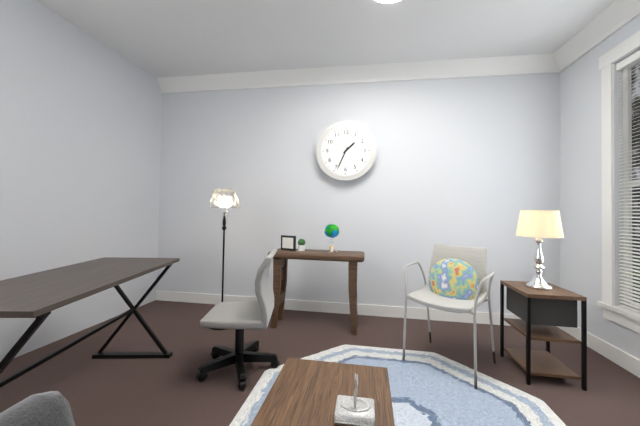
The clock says 1,34
